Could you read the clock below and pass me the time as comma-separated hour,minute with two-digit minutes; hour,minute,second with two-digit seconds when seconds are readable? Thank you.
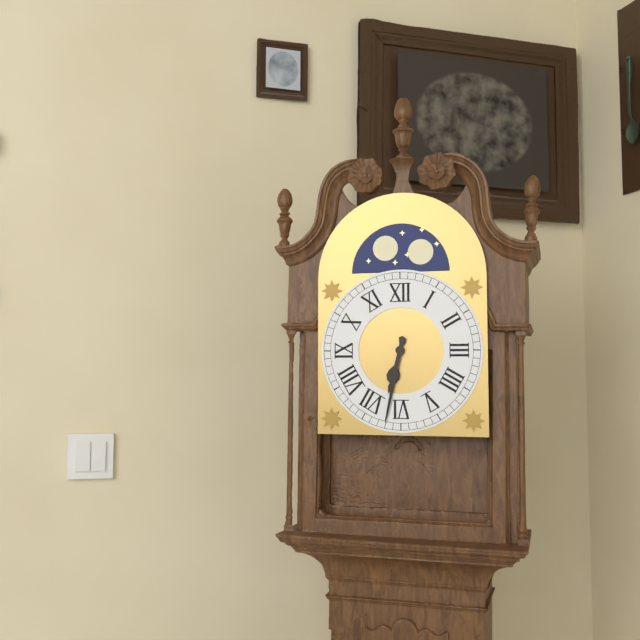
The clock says 6,32
